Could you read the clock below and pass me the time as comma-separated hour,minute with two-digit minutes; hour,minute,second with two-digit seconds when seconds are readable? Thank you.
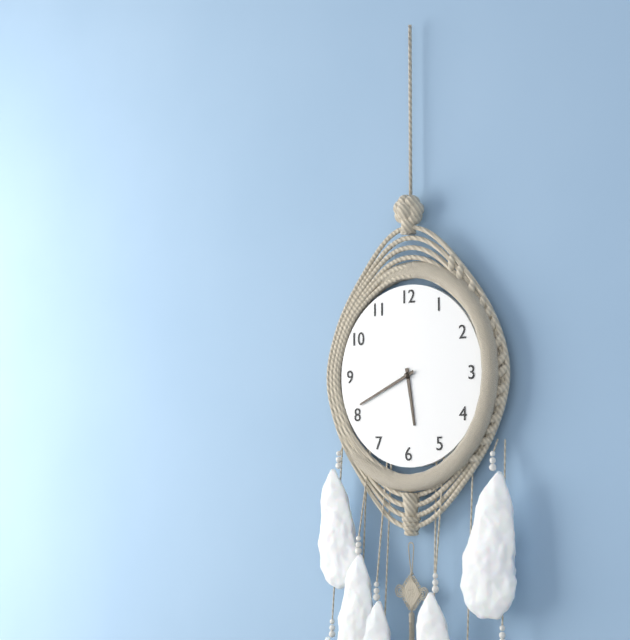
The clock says 5,41
